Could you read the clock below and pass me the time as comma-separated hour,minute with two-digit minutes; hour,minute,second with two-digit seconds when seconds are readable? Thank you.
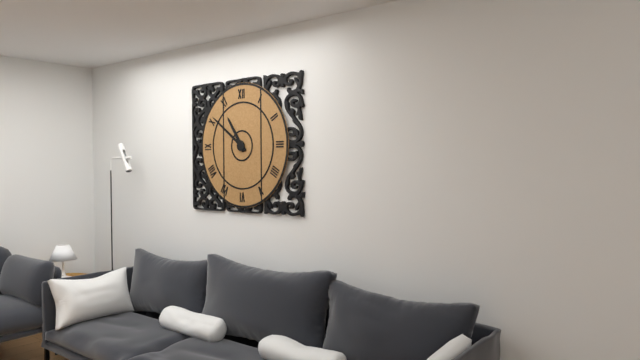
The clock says 10,51
